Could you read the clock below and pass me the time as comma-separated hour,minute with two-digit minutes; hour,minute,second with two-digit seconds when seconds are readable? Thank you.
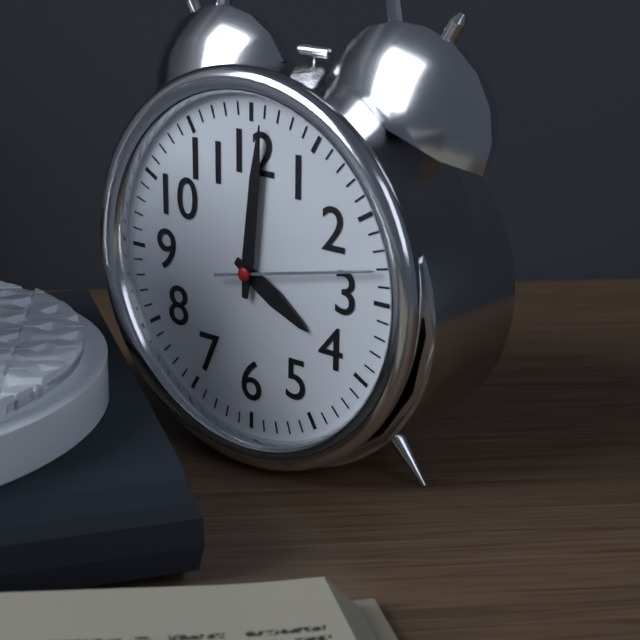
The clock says 4,01,13
